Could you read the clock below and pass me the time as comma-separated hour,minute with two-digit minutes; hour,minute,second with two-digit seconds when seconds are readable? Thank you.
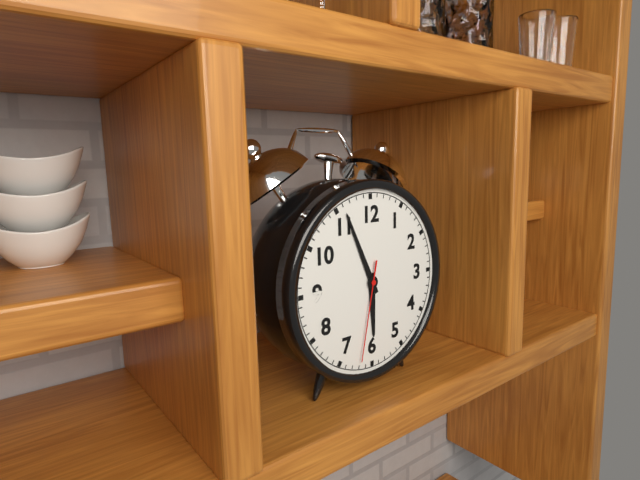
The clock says 5,56,32
